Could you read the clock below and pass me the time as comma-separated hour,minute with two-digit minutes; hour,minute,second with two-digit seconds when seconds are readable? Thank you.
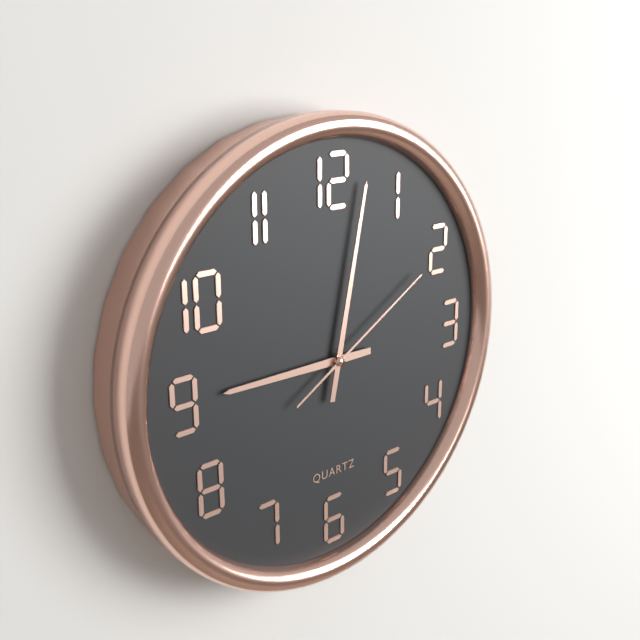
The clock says 9,02,10
